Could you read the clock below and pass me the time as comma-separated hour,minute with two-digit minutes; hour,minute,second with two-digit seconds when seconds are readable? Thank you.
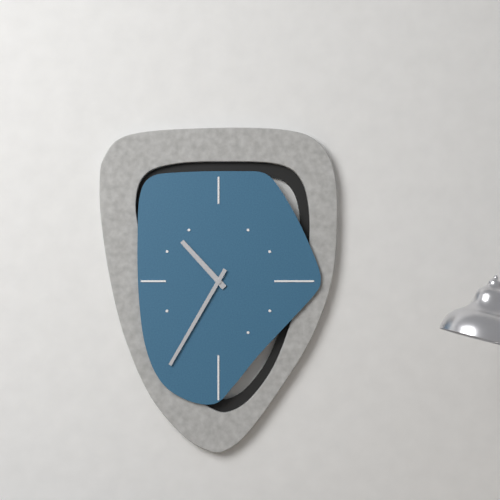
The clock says 10,35
